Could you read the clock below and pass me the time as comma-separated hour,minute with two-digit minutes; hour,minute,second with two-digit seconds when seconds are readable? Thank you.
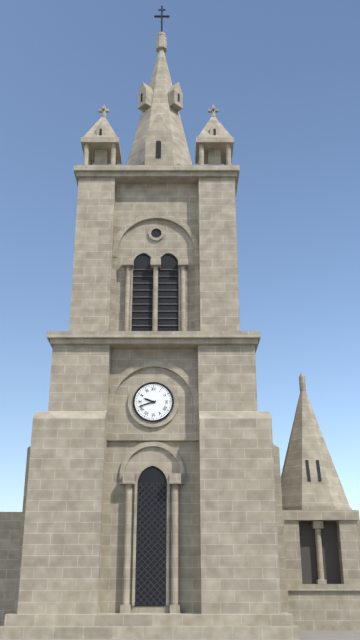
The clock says 9,42
